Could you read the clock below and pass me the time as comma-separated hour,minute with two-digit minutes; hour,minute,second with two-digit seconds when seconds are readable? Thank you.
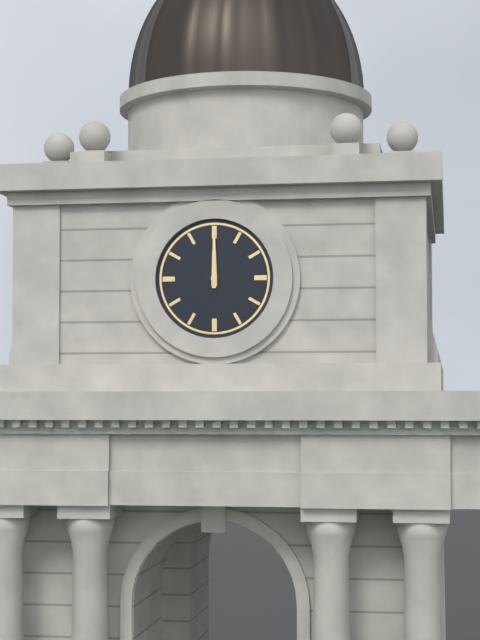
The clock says 12,00
